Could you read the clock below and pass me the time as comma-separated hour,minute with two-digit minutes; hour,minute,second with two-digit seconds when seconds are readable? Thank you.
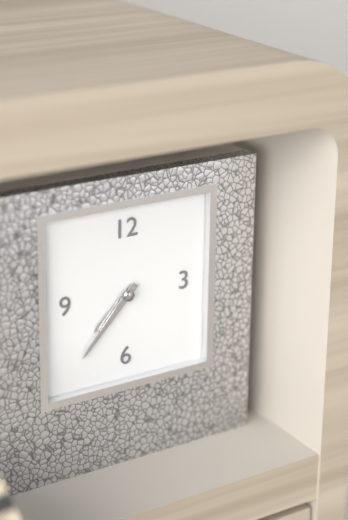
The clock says 7,37
